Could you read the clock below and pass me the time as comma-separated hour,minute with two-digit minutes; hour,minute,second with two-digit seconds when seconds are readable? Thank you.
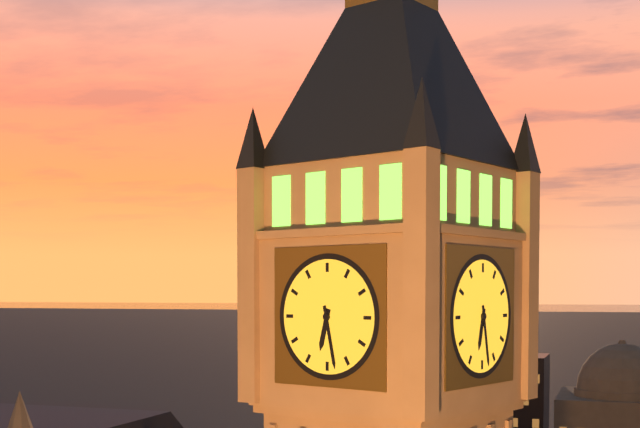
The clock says 6,28
